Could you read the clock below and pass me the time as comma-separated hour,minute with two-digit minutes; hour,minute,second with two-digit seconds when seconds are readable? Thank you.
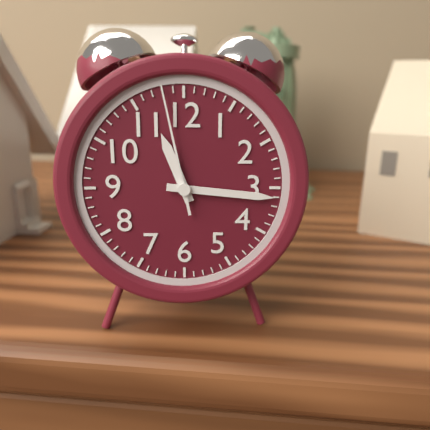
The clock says 11,16,58
